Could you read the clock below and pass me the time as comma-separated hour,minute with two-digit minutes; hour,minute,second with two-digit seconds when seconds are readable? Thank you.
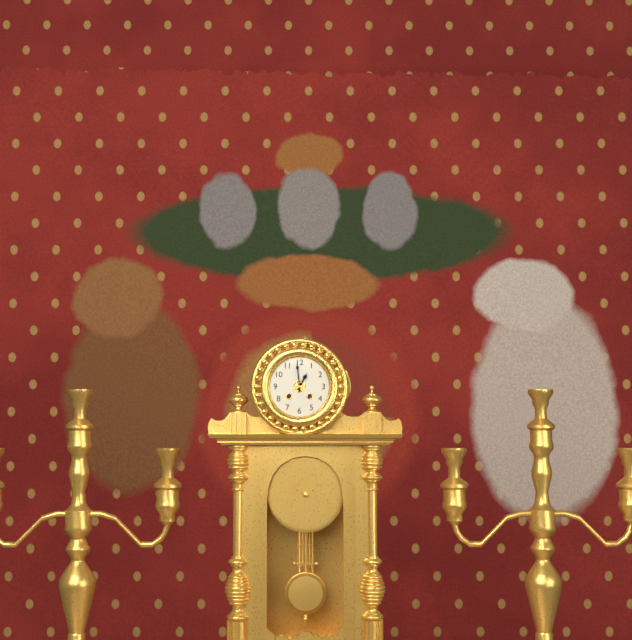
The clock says 12,59
